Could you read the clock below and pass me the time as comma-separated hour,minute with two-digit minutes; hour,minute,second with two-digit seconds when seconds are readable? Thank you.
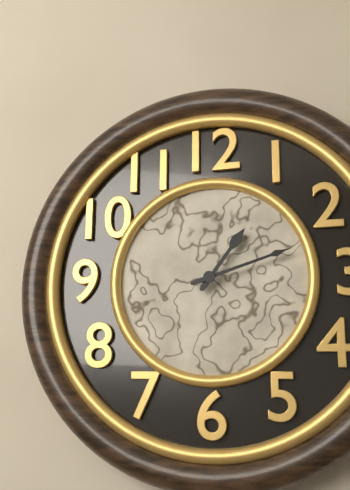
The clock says 1,12
